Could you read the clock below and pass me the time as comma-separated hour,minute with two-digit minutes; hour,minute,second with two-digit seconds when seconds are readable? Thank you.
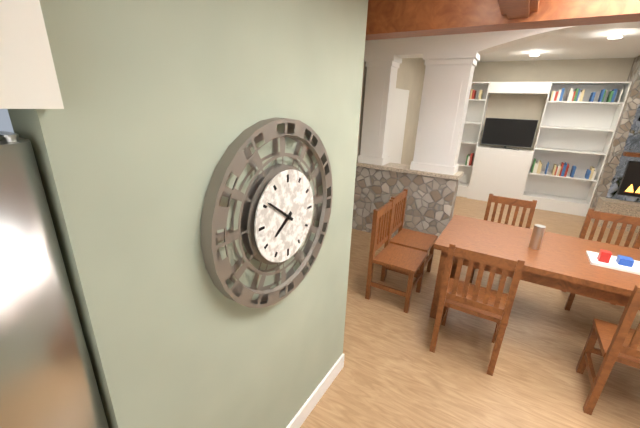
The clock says 7,51
